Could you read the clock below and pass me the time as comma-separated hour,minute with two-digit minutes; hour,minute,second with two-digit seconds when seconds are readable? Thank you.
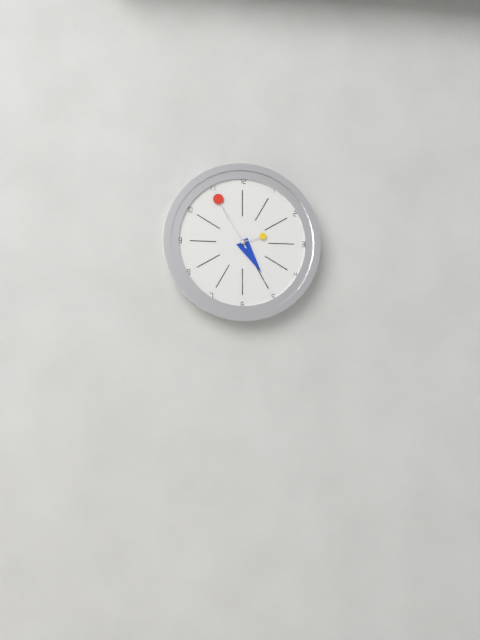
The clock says 4,55
